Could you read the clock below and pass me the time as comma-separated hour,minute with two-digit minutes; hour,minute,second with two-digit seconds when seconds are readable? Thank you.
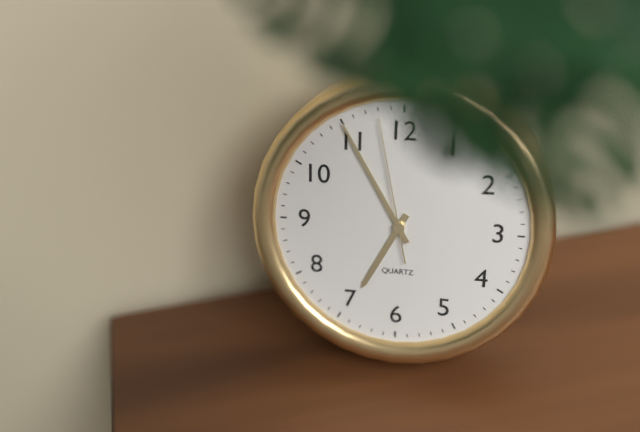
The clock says 6,55,58
